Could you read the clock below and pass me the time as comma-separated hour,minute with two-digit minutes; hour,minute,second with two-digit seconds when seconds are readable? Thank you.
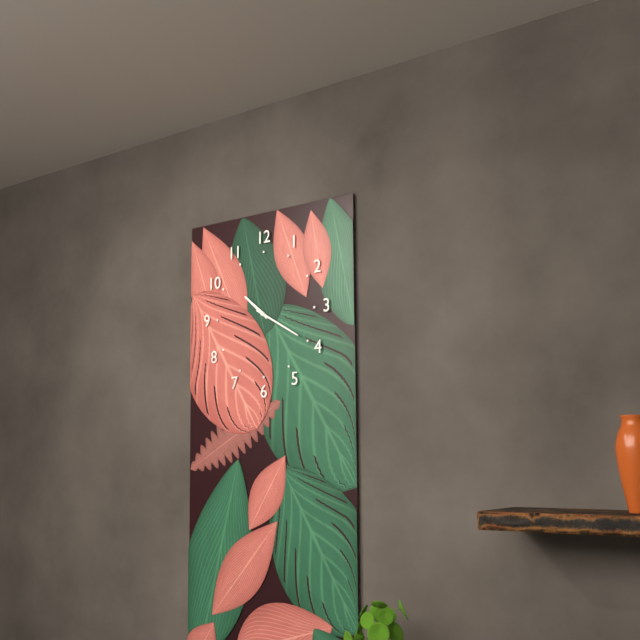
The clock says 10,20
